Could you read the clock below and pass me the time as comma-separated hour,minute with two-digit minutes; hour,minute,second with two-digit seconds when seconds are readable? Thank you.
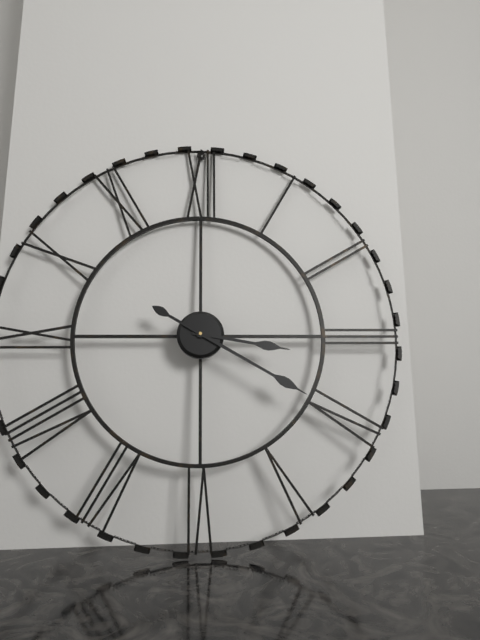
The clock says 3,20
